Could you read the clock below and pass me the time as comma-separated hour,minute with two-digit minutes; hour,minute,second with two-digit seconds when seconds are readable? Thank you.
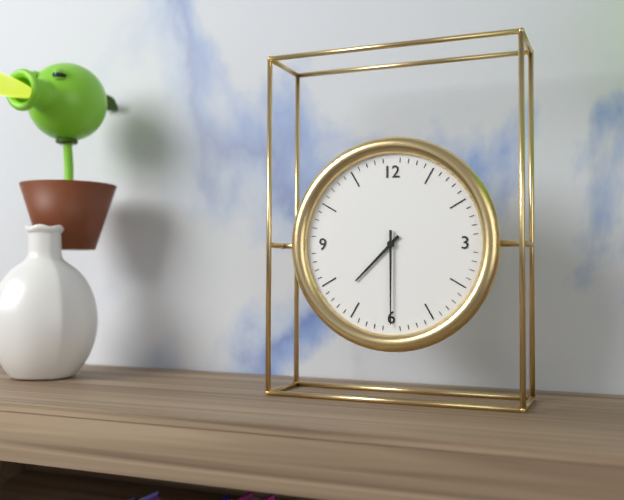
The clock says 7,30
